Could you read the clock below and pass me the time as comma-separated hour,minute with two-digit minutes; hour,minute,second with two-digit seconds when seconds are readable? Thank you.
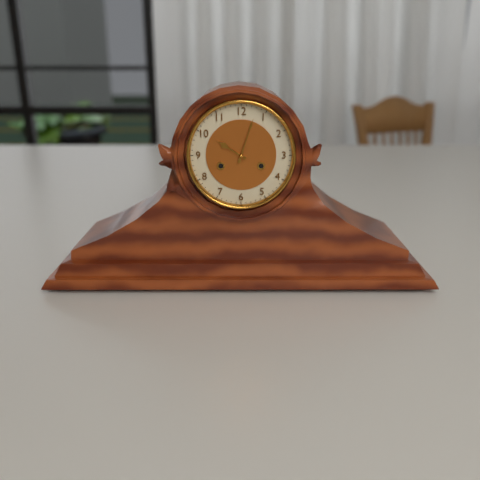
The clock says 10,03
